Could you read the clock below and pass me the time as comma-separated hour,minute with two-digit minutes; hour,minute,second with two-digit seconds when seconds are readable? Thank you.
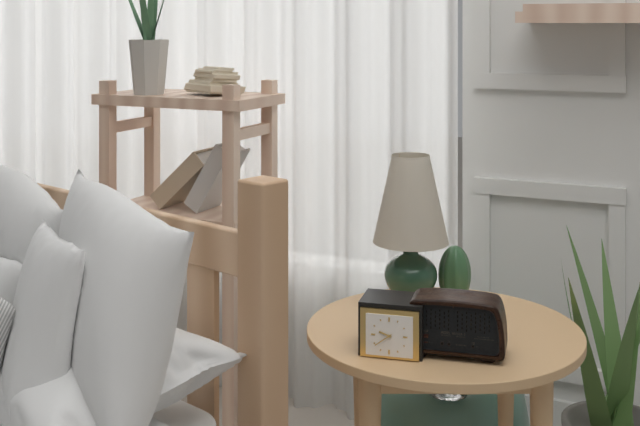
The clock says 9,39
